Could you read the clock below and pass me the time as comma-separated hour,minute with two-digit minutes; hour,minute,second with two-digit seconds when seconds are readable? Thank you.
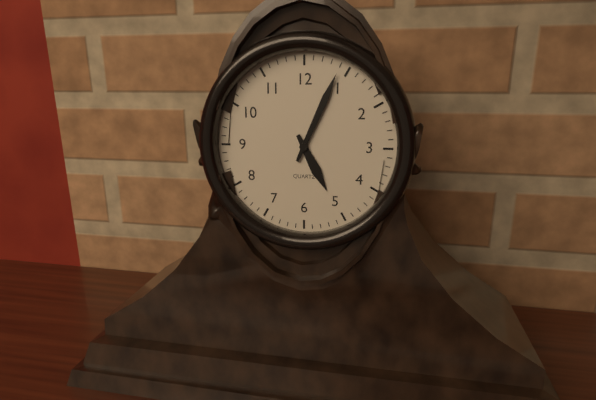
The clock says 5,04
